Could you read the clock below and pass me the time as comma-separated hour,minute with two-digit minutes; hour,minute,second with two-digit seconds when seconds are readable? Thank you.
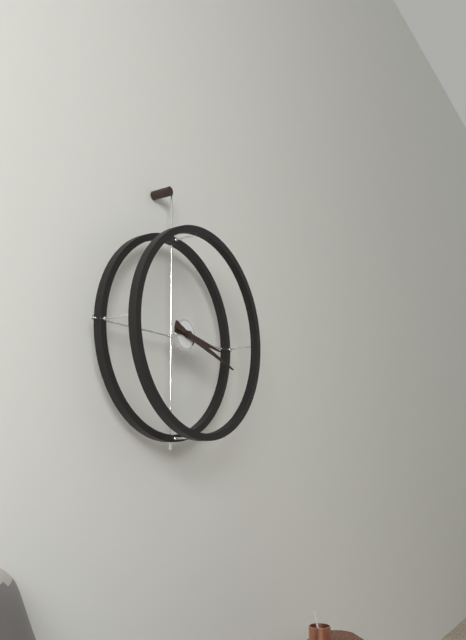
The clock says 3,18
